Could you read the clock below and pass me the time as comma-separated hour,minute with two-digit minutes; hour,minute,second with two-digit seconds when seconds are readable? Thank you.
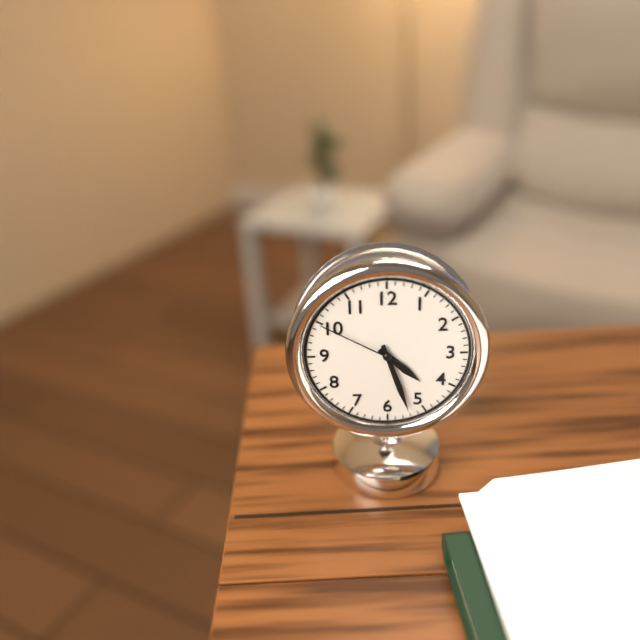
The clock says 4,27,50
